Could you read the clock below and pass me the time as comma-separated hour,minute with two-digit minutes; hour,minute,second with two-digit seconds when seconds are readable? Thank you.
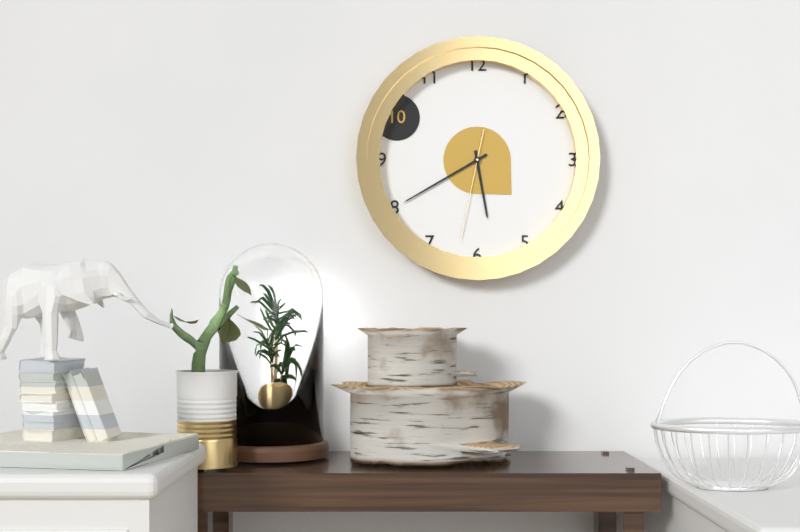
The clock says 5,40,32
